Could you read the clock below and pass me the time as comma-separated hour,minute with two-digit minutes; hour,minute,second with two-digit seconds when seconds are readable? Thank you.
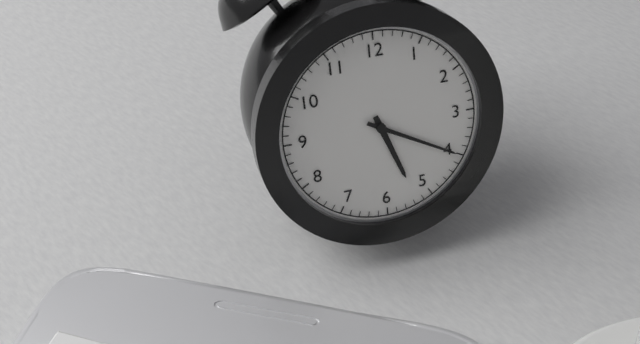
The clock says 5,20
